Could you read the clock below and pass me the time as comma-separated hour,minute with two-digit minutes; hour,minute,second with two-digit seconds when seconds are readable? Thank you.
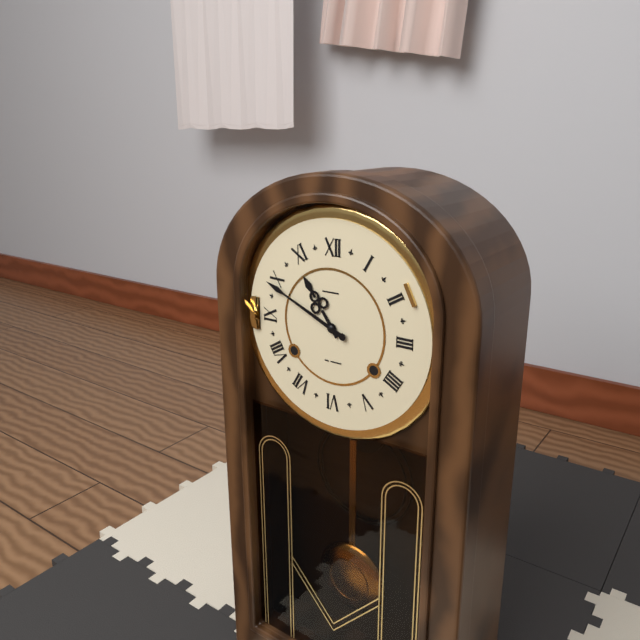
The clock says 10,49
